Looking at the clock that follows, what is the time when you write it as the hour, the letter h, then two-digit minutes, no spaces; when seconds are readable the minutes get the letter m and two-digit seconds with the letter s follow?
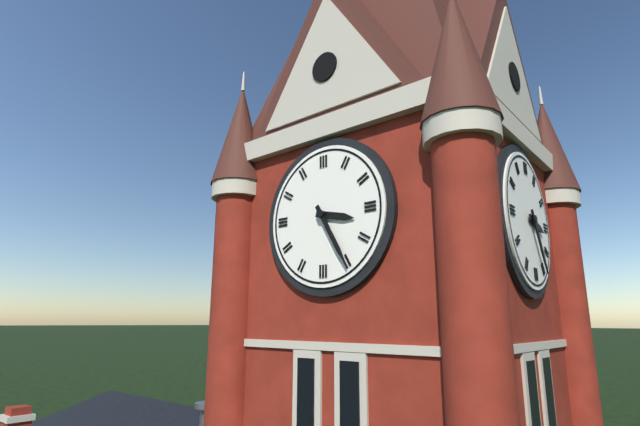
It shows 3h25
